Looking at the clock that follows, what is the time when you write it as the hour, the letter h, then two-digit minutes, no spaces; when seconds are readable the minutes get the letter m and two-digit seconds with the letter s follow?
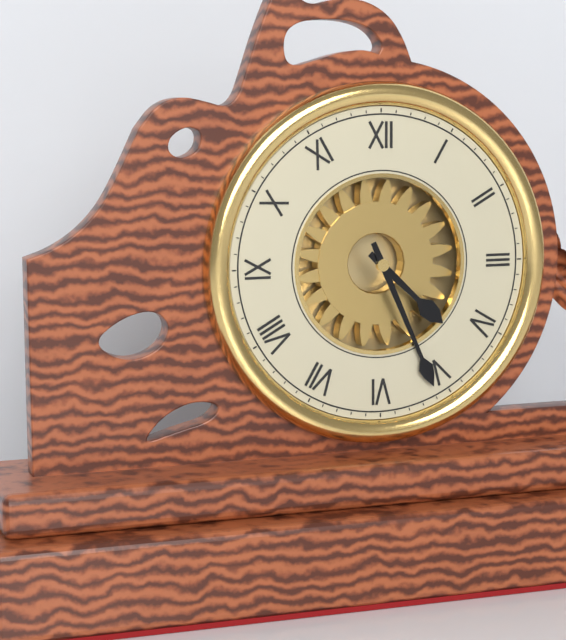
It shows 4h26
